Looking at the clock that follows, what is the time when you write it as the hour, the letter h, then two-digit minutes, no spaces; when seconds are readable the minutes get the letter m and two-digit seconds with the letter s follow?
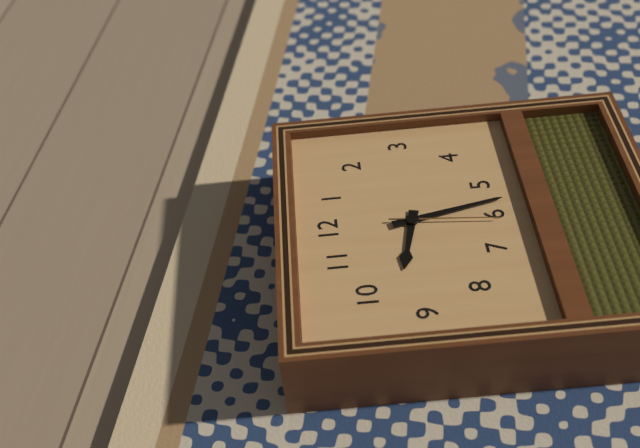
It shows 9h28m31s
